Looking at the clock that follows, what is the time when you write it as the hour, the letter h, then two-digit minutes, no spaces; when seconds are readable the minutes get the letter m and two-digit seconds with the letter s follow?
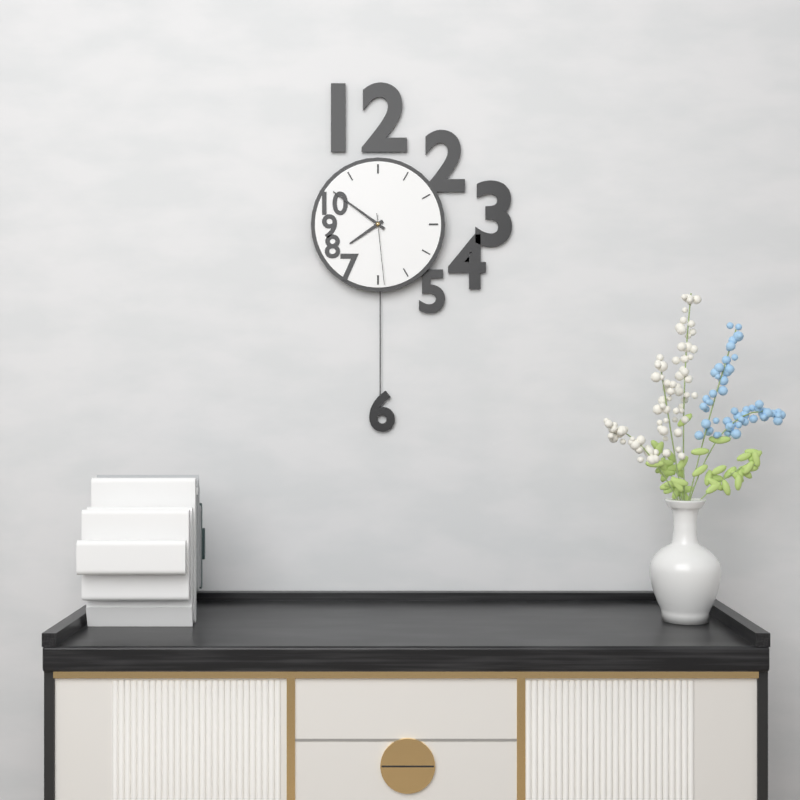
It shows 7h51m29s
